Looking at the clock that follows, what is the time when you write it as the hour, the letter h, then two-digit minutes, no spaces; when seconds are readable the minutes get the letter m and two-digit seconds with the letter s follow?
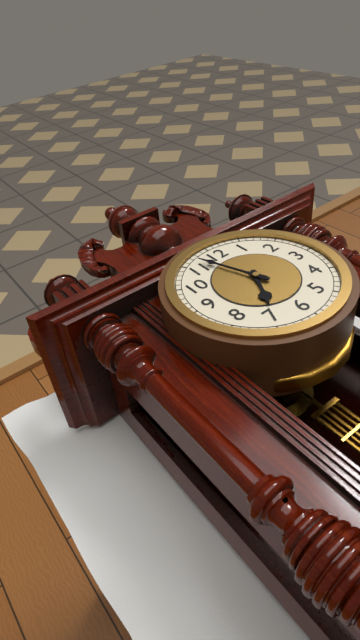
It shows 6h57
